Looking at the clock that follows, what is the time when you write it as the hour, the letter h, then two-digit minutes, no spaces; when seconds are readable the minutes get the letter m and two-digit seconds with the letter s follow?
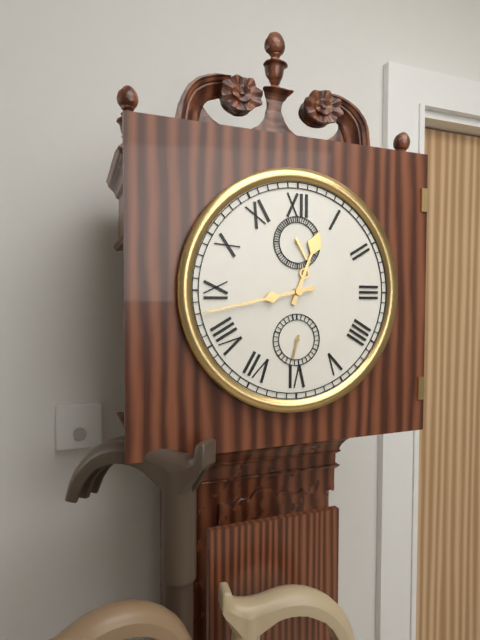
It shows 12h43
